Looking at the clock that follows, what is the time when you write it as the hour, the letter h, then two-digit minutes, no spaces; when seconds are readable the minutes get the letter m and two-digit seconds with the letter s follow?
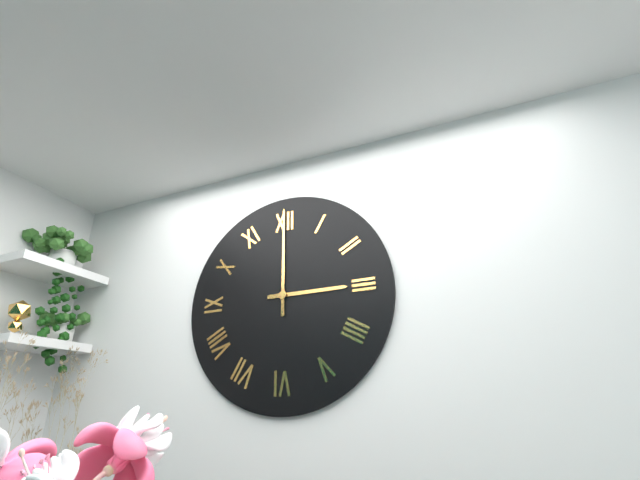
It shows 3h00
